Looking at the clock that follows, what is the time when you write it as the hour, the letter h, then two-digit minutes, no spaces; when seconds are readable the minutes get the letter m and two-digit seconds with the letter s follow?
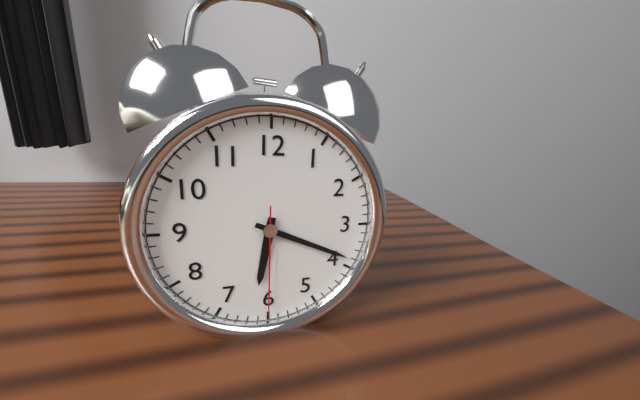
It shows 6h19m30s
